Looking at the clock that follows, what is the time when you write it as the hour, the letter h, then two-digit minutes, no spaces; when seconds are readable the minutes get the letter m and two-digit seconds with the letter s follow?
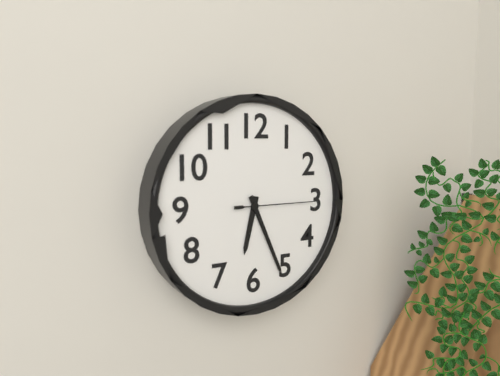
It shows 6h26m15s
